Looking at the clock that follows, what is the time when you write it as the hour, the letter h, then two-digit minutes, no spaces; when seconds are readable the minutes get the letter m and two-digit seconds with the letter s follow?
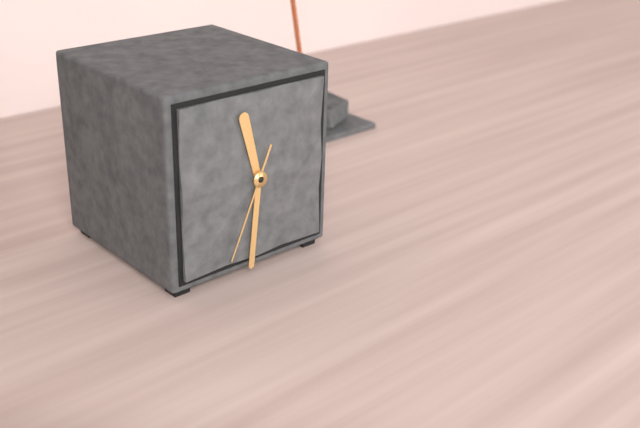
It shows 11h31m34s
